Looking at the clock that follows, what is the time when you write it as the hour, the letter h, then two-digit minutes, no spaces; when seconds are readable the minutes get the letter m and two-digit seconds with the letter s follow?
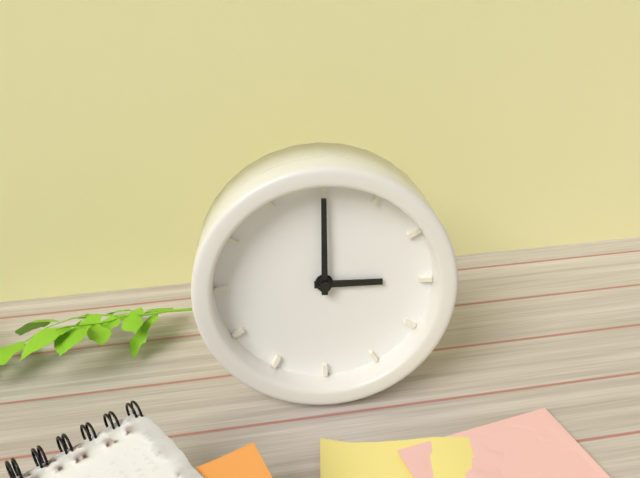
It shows 3h00
